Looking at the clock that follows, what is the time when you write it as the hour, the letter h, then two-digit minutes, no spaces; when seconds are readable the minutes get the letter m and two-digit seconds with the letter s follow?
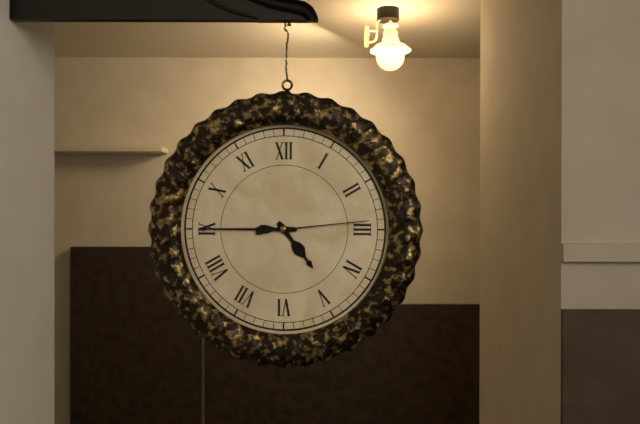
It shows 4h45m14s
